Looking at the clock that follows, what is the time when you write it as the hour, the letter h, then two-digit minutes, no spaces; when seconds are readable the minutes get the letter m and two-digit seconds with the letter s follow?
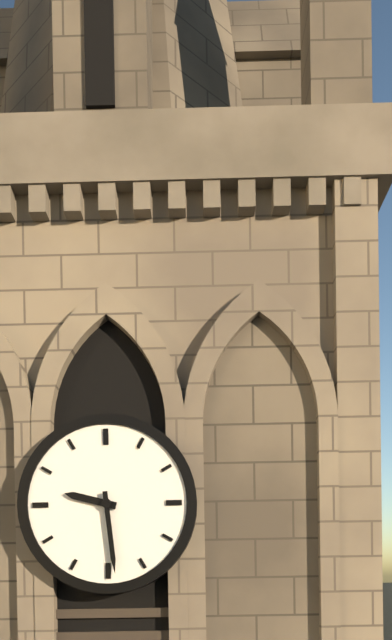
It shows 9h29
